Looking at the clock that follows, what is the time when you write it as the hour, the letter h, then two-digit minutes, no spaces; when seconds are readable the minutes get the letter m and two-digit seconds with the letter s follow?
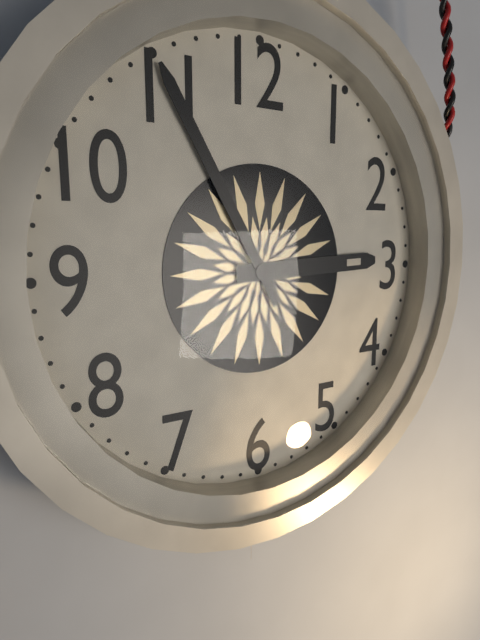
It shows 2h55
